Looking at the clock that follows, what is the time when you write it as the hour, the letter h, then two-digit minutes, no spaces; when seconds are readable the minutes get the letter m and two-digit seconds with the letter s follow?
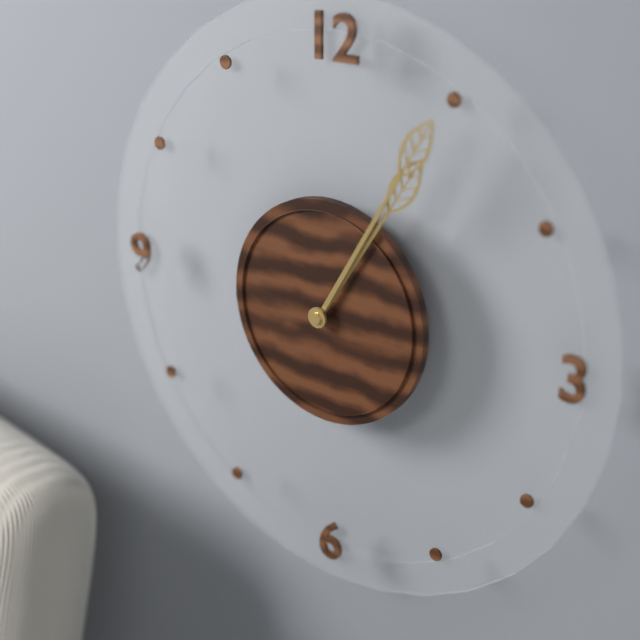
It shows 1h05
